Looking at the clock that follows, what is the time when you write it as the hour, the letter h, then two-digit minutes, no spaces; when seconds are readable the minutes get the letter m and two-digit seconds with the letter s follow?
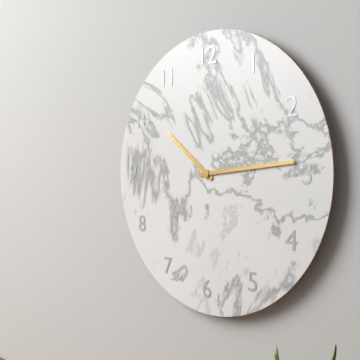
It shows 10h14
